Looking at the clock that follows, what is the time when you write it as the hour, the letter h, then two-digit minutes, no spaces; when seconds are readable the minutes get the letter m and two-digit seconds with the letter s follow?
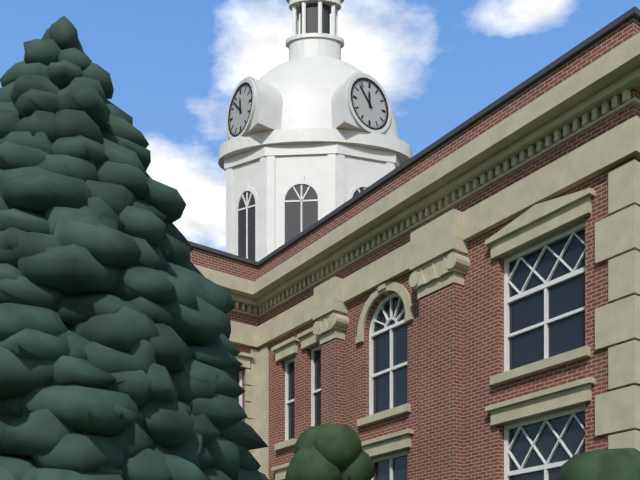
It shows 11h53
